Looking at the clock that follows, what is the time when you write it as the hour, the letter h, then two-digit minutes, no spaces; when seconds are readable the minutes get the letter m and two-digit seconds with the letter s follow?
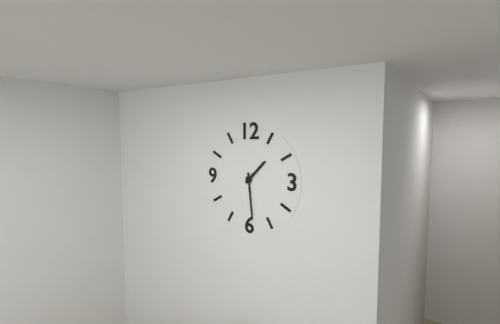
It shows 1h29
